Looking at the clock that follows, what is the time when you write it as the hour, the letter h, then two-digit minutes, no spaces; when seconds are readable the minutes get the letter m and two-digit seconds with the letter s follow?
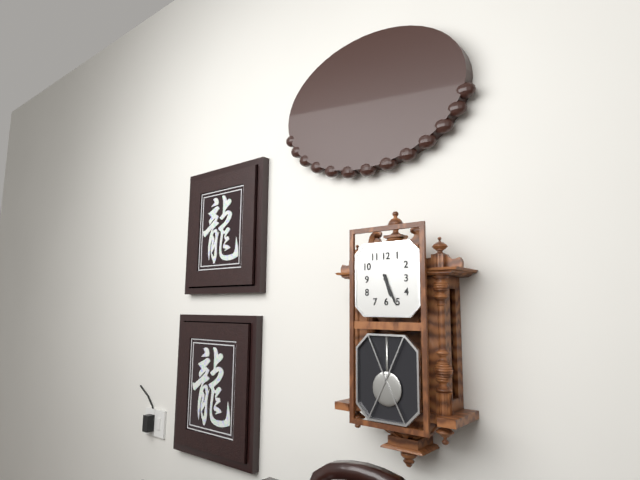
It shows 5h26
